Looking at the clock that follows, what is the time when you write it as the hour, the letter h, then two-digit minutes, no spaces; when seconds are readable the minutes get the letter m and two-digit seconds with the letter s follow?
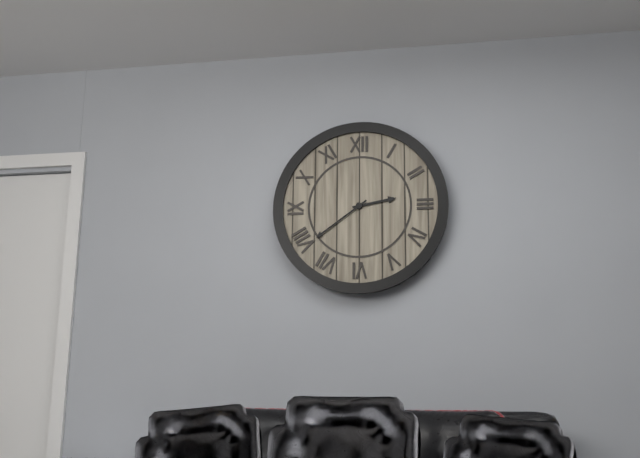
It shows 2h39
